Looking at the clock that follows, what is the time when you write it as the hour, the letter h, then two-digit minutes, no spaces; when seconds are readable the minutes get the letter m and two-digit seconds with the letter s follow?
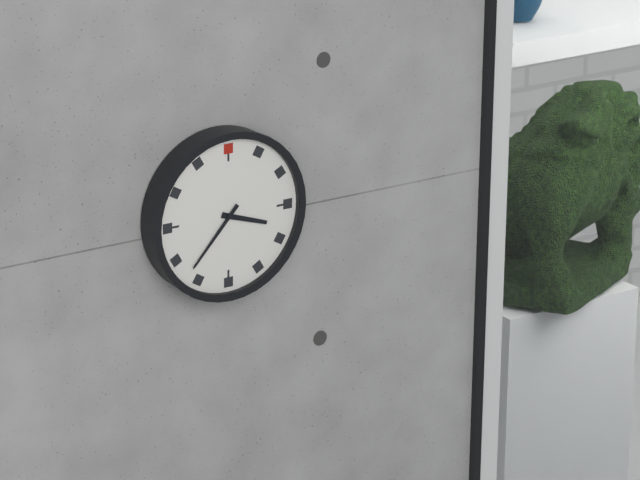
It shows 3h37
